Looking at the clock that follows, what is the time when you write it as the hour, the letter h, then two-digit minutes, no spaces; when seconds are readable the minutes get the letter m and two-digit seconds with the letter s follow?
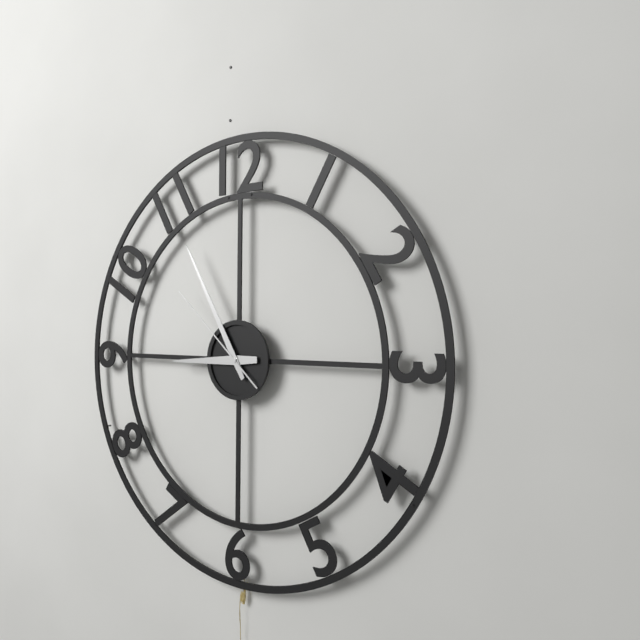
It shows 8h55m52s
